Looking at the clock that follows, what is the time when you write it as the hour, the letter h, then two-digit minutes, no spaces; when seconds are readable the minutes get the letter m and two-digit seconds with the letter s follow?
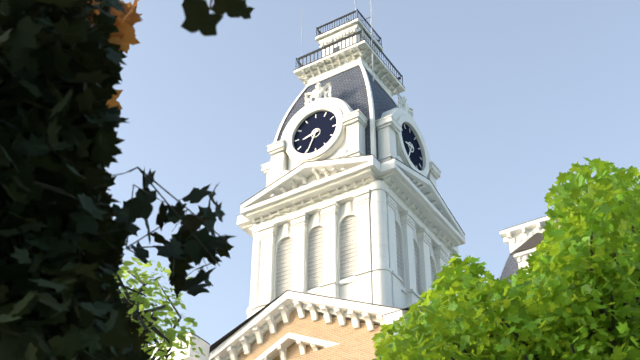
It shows 8h34
